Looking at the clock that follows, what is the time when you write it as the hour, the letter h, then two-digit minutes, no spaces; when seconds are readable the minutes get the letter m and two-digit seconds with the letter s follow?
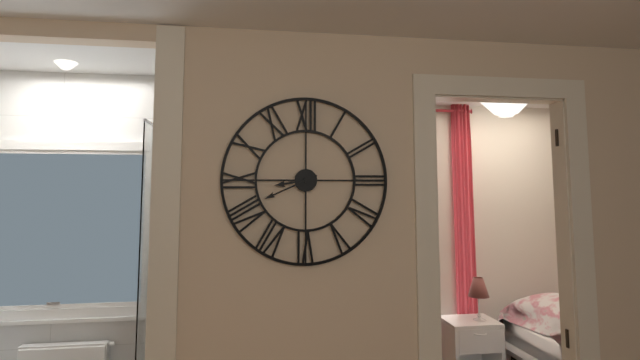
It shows 8h41
